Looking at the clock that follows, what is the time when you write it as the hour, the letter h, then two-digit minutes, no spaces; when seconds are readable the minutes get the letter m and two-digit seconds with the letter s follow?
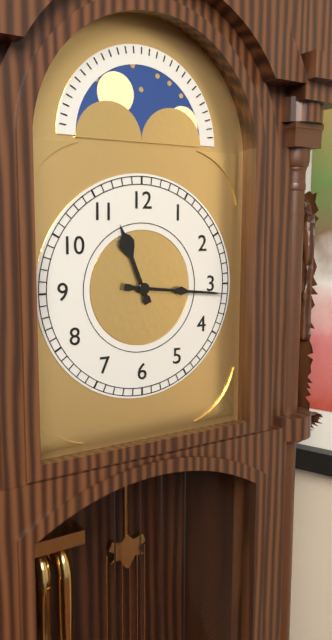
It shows 11h16
